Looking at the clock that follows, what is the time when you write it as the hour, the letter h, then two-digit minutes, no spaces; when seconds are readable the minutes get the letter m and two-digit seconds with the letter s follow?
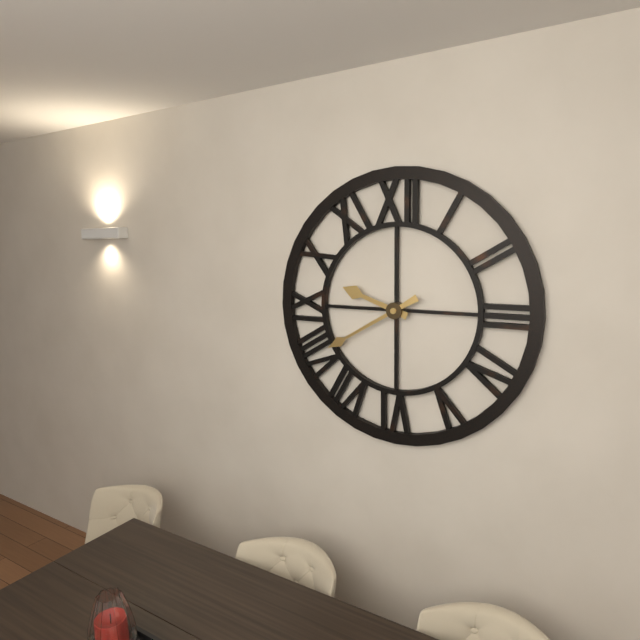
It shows 9h40
